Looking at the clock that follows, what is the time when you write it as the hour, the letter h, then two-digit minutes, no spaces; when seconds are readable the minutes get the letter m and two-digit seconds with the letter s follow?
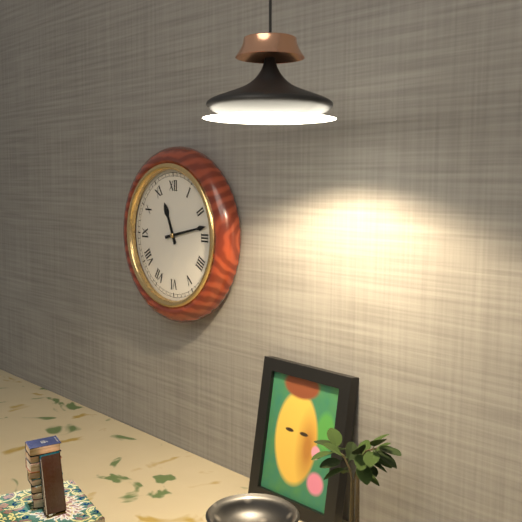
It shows 11h13
